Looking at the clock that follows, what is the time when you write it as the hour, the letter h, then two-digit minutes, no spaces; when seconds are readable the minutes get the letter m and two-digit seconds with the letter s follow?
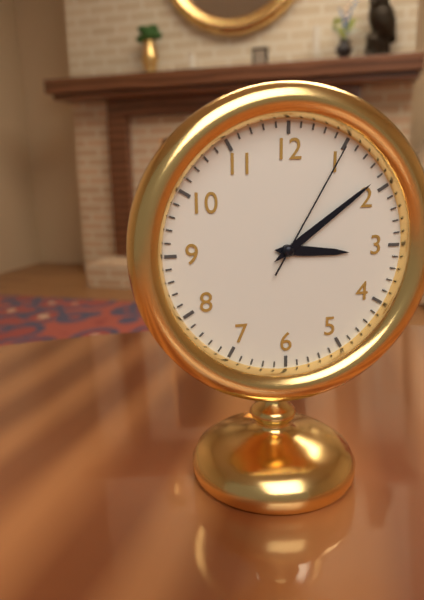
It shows 3h09m05s
